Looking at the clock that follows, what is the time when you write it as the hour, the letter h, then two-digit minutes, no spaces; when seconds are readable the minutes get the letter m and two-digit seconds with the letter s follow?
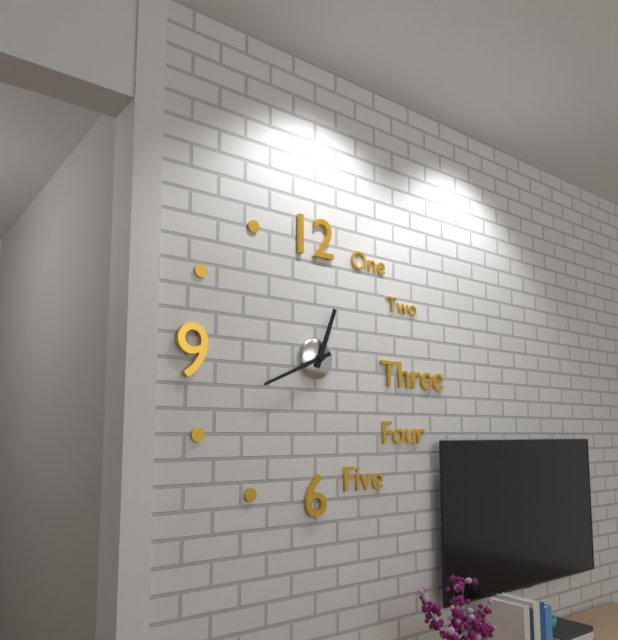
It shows 12h41
